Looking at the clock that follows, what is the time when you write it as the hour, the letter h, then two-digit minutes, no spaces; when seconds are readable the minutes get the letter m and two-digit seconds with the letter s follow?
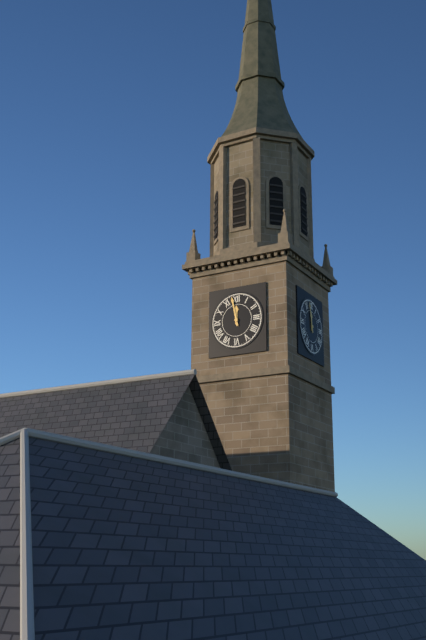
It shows 11h58
